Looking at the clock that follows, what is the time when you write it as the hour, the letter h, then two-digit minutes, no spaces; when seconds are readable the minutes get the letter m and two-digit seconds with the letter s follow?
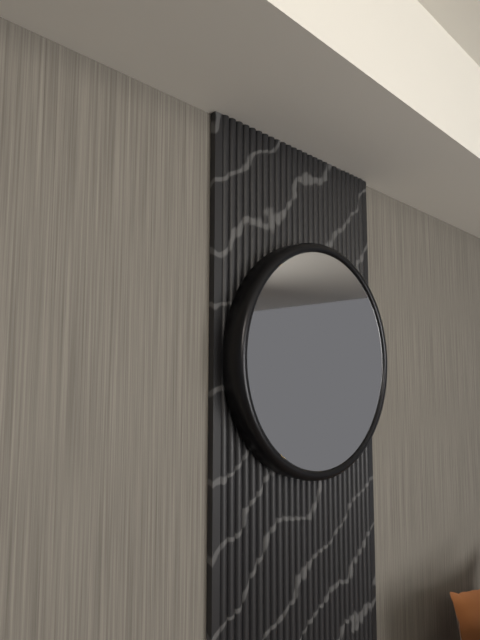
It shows 1h20
